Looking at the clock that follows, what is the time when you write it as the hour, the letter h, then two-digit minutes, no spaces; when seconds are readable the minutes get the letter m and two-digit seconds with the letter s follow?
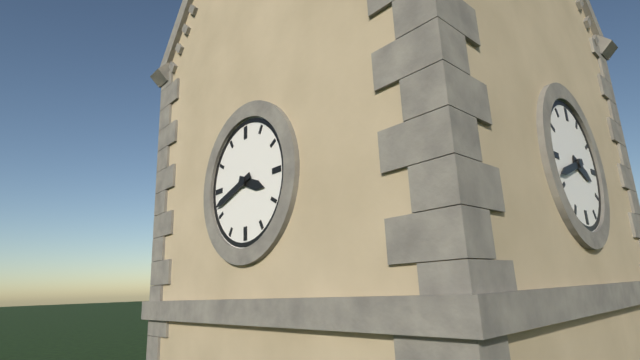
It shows 3h42
